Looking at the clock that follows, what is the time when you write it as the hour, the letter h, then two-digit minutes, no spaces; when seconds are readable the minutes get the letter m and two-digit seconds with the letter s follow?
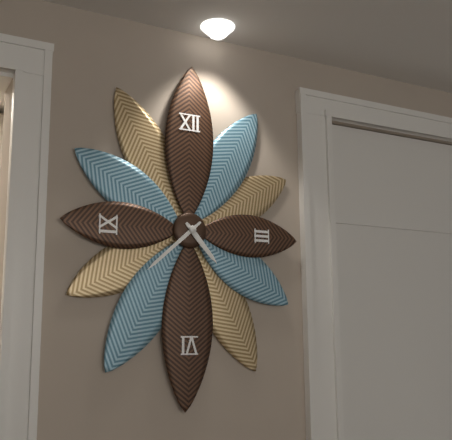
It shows 4h38
